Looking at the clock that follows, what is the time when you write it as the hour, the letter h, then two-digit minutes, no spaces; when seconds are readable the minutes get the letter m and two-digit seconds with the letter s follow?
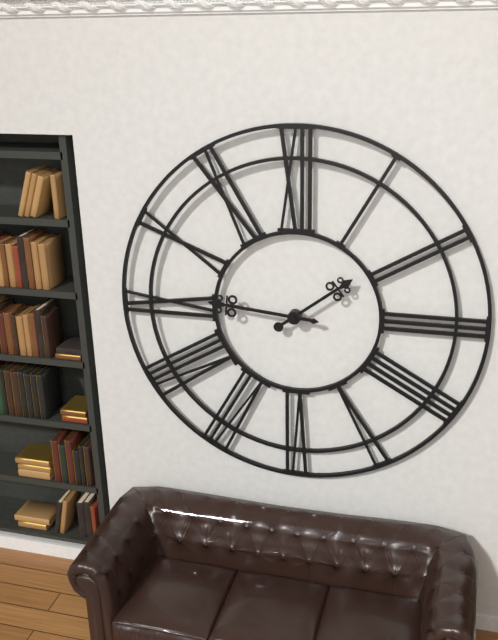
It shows 1h46
